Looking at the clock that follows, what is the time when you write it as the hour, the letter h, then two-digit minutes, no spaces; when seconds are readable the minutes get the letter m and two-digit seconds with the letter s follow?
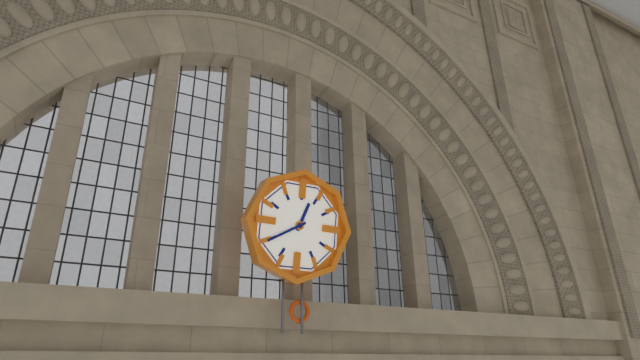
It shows 12h40
